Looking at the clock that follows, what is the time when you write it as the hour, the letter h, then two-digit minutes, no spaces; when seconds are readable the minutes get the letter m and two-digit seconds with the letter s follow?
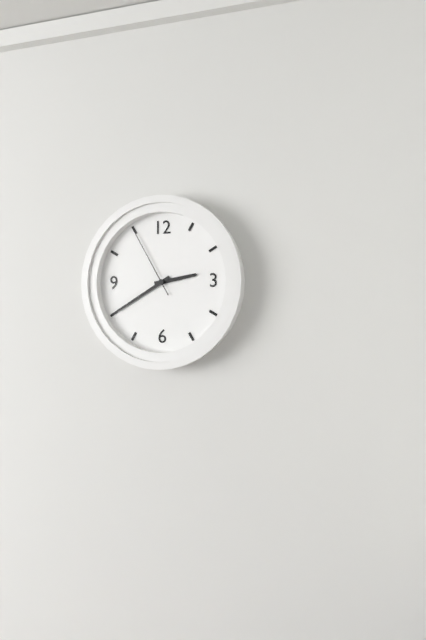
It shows 2h40m55s
